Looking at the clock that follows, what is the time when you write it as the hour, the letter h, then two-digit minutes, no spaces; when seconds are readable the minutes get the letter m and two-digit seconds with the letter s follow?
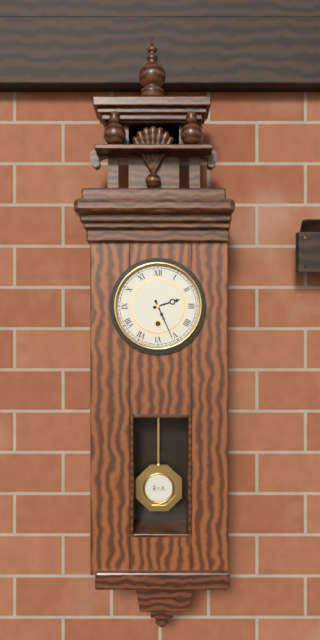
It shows 2h26
